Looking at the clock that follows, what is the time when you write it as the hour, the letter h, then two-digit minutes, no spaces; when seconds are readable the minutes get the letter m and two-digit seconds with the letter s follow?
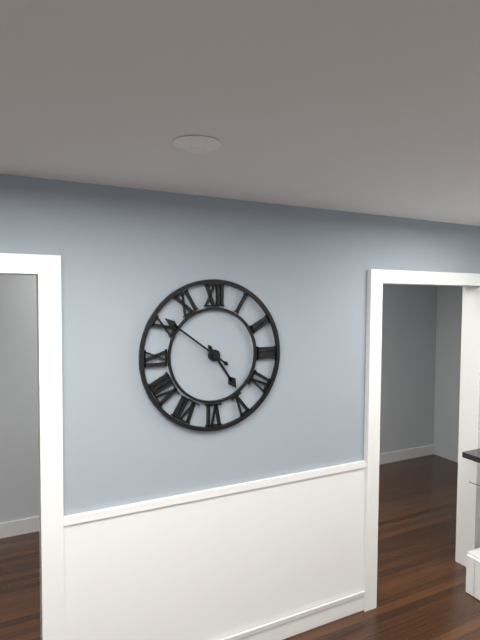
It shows 4h51
